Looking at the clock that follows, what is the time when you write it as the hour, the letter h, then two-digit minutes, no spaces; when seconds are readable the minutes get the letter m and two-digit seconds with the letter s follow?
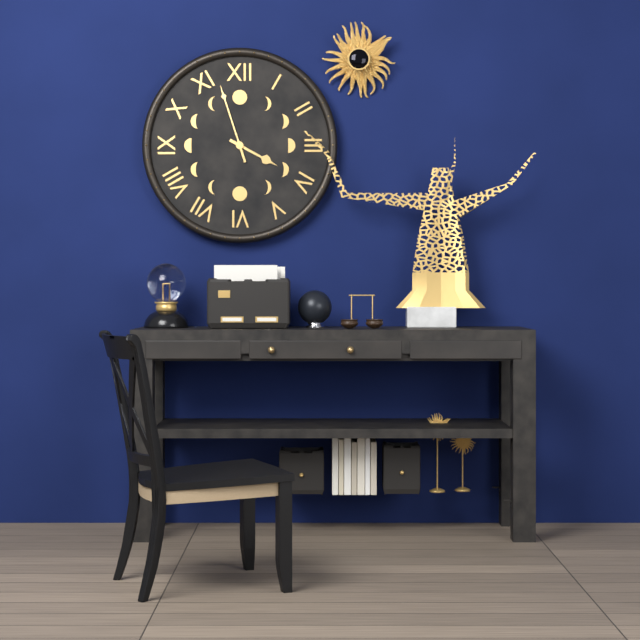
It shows 3h57
